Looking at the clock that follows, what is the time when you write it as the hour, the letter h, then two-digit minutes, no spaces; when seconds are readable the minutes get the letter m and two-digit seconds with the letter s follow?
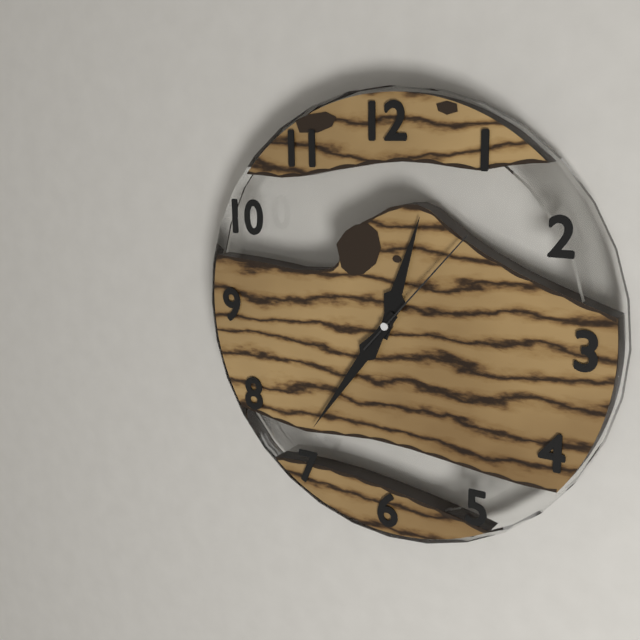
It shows 12h36m07s
